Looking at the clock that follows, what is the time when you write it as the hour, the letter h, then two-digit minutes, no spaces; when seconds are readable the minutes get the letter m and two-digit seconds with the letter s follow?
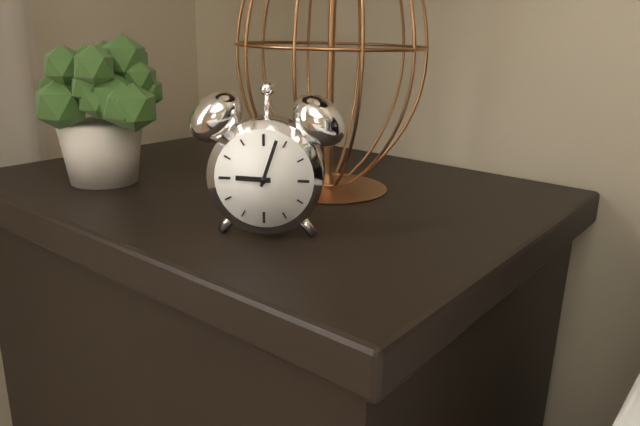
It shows 9h03
